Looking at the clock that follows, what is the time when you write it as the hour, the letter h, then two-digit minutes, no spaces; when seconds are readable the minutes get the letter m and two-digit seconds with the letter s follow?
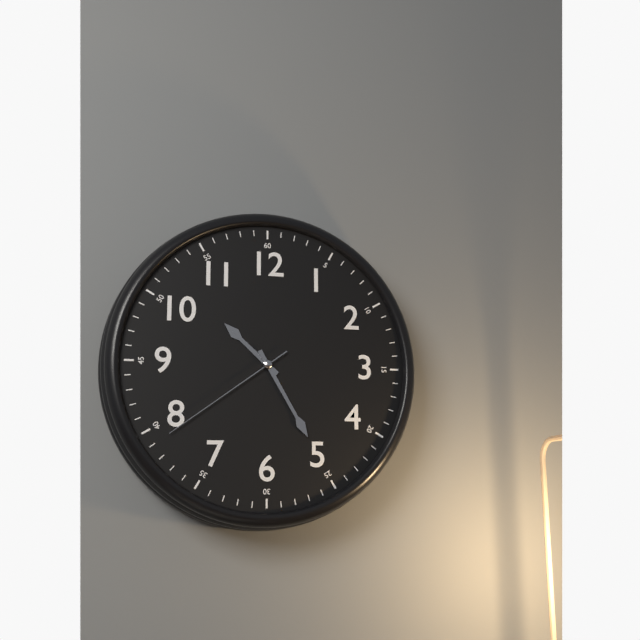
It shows 10h25m39s
